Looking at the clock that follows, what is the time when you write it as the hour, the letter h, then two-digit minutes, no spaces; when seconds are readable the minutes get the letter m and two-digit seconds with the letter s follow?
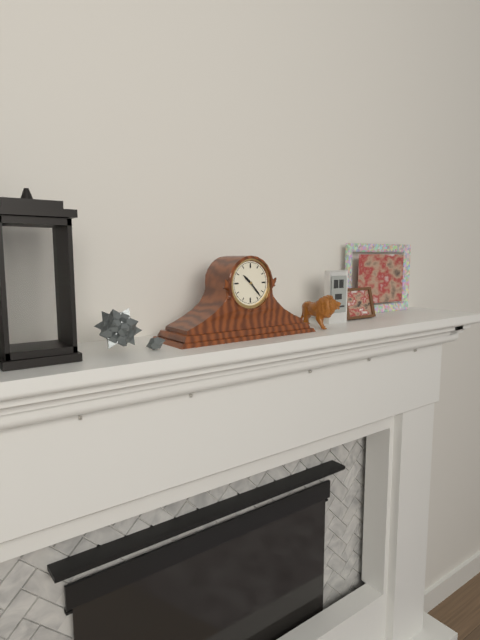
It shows 10h23
